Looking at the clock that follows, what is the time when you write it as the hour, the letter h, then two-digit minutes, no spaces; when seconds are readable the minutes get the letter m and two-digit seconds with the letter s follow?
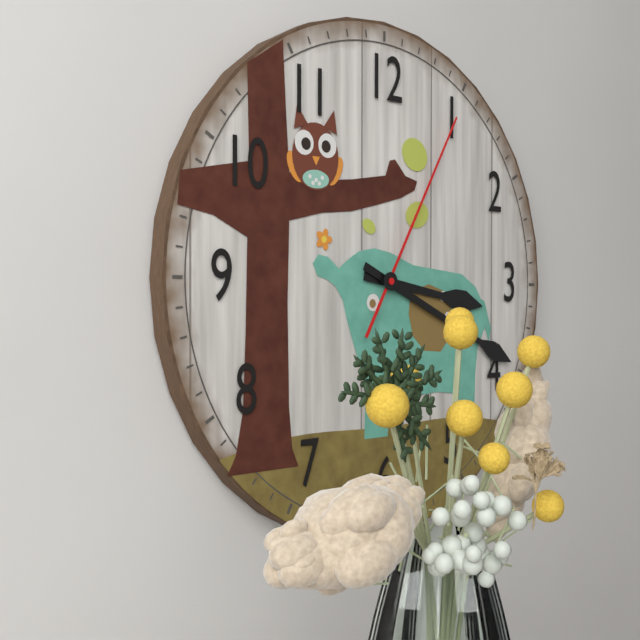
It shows 3h19m05s
